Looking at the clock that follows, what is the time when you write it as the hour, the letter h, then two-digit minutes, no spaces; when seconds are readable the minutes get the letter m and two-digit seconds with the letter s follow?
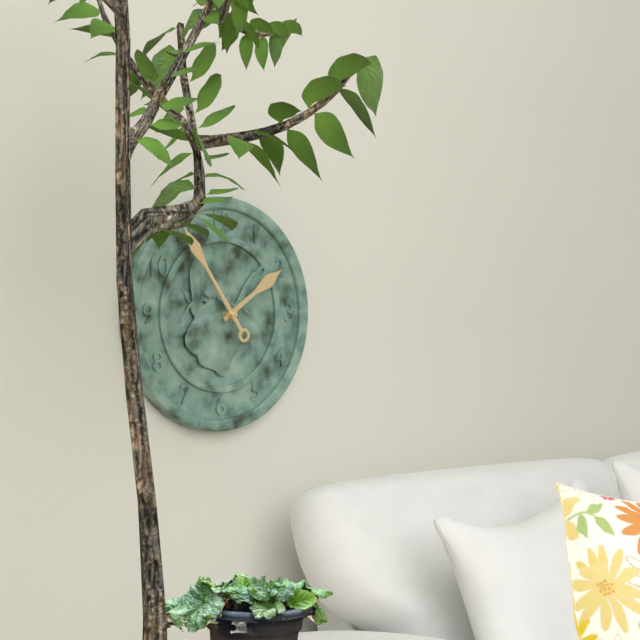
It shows 1h54
